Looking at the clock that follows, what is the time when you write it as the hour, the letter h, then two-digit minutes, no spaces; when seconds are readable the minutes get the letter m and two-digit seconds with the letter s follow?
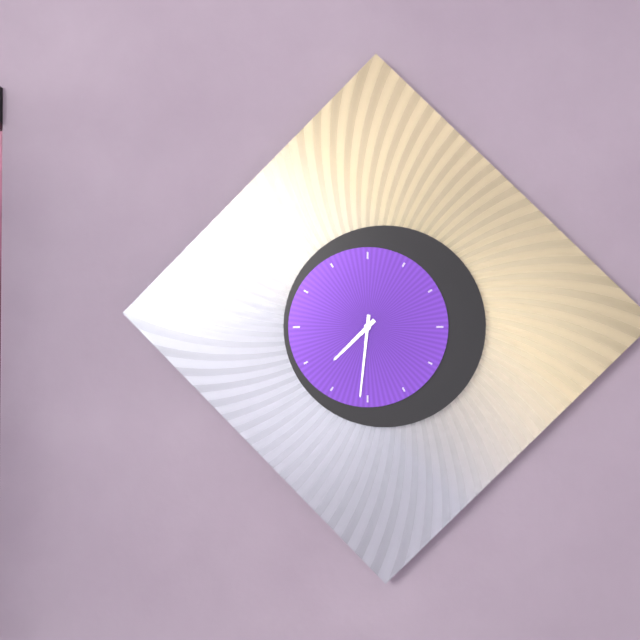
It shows 7h31
